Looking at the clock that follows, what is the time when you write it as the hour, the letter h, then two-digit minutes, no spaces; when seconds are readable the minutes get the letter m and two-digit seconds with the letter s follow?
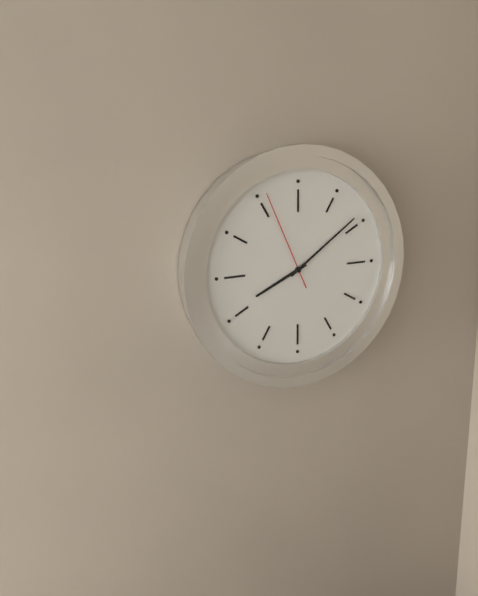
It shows 8h09m56s
